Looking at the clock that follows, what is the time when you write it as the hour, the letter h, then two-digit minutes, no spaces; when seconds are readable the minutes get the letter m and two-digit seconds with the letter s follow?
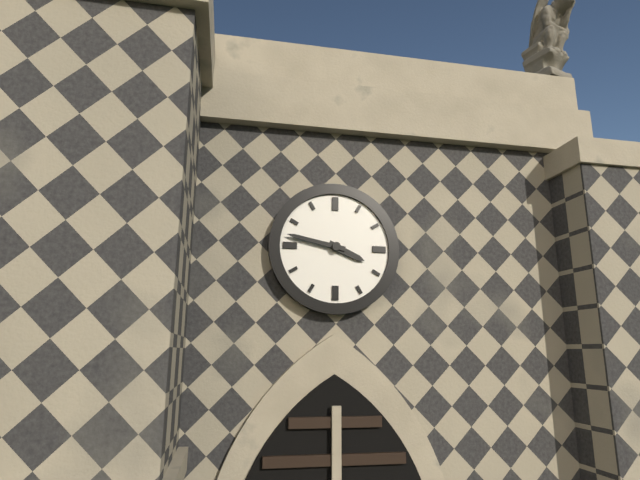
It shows 3h47
